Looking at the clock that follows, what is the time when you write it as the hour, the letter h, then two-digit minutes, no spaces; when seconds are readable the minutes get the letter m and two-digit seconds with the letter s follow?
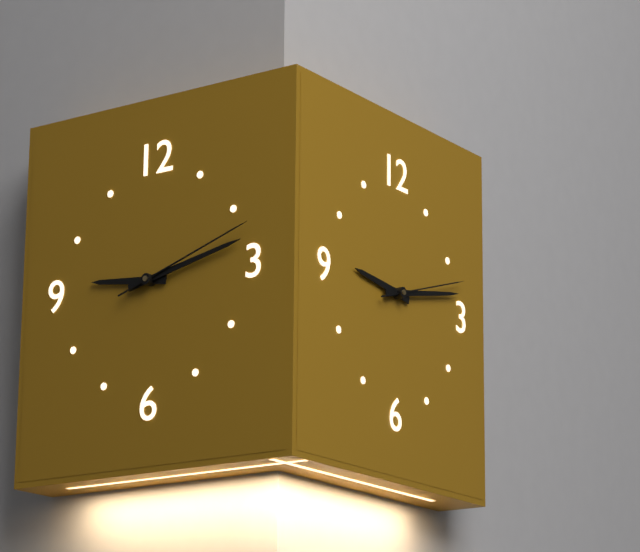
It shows 9h13m12s
